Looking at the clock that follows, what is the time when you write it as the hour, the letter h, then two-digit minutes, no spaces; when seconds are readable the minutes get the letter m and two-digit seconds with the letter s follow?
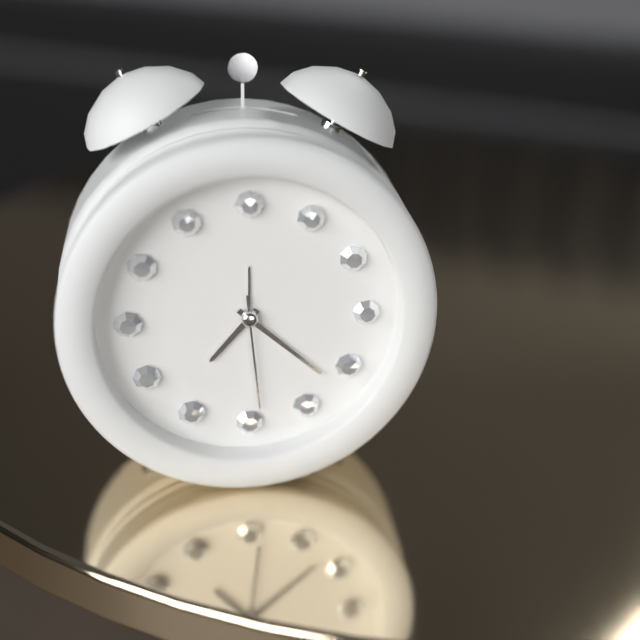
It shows 7h22m29s
